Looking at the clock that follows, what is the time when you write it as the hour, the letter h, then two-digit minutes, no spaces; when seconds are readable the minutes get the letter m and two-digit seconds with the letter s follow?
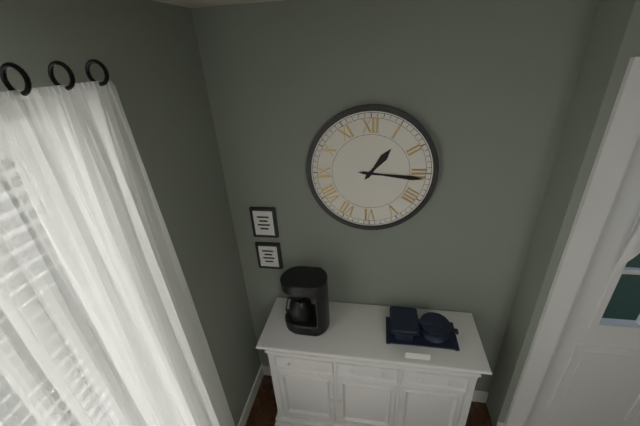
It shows 1h16
